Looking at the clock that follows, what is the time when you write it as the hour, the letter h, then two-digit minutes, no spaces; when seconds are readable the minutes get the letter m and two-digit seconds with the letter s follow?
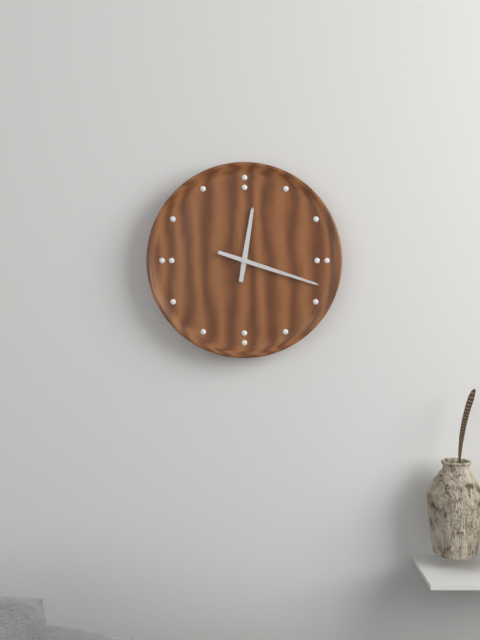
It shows 12h18
